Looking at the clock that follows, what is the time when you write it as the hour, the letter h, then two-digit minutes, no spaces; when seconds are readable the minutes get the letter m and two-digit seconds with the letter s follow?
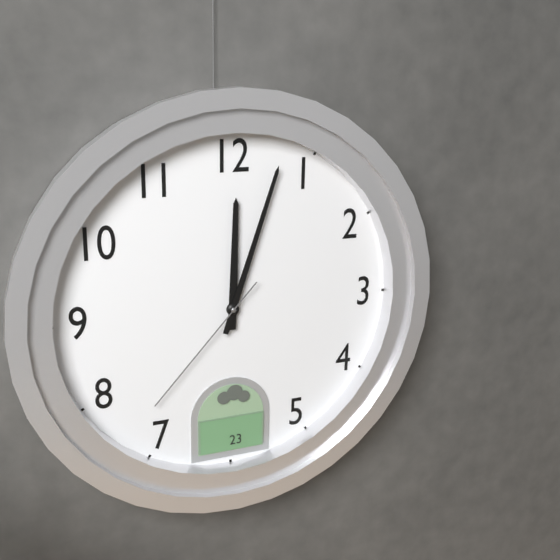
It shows 12h03m37s
